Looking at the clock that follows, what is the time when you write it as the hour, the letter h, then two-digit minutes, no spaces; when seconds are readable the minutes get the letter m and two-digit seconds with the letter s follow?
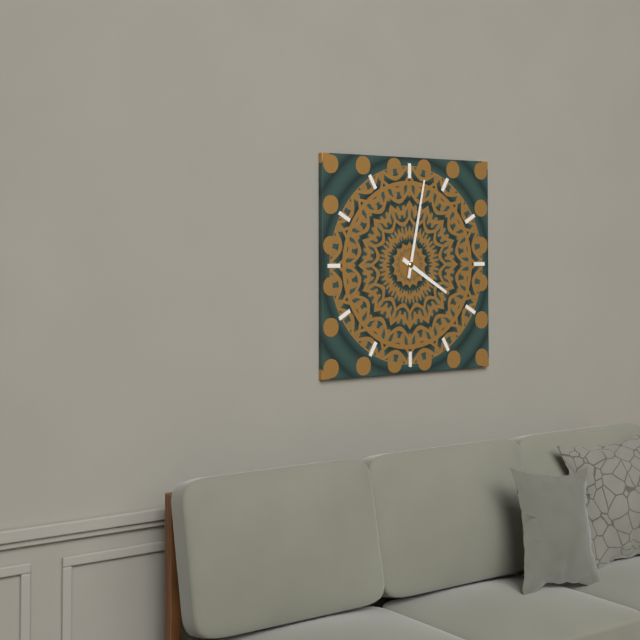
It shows 4h02
